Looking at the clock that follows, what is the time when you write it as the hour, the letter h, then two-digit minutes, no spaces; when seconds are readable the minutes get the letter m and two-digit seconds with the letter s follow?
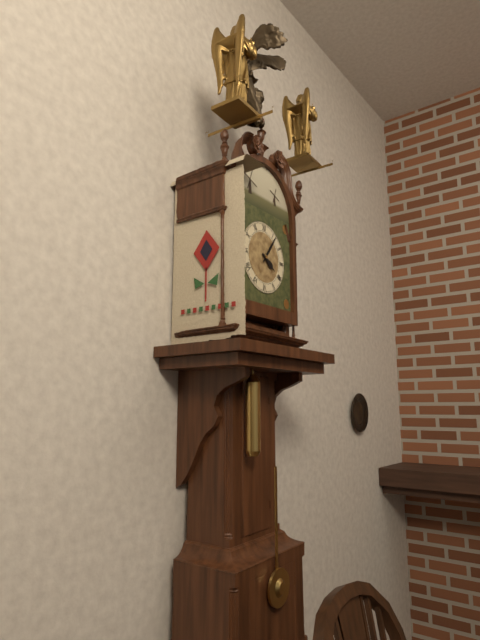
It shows 4h06
